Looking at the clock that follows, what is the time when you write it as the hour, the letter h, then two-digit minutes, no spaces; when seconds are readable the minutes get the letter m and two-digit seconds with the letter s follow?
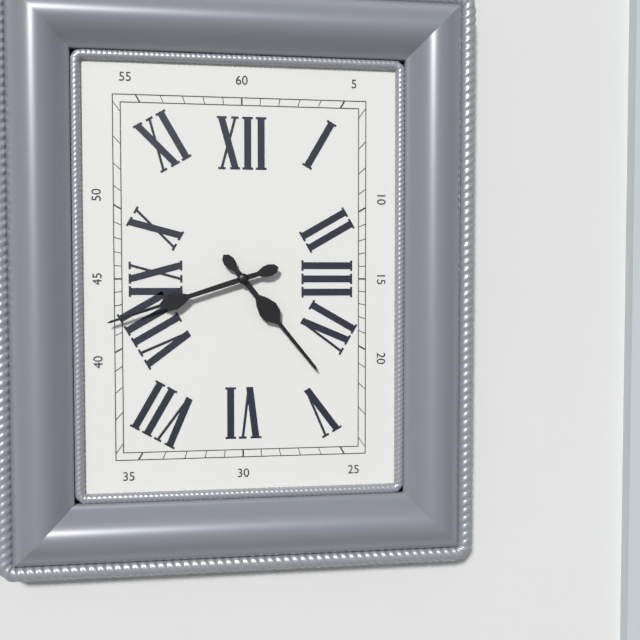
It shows 4h42
